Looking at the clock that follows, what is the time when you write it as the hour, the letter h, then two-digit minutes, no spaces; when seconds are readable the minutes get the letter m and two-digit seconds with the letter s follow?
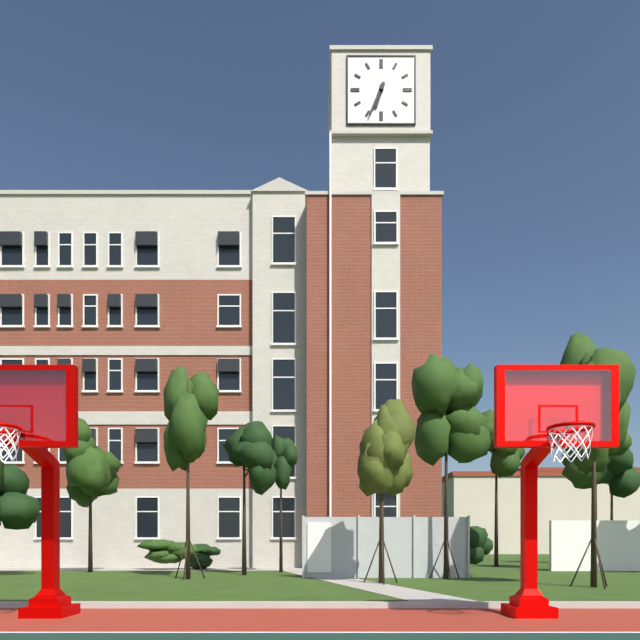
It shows 6h34
